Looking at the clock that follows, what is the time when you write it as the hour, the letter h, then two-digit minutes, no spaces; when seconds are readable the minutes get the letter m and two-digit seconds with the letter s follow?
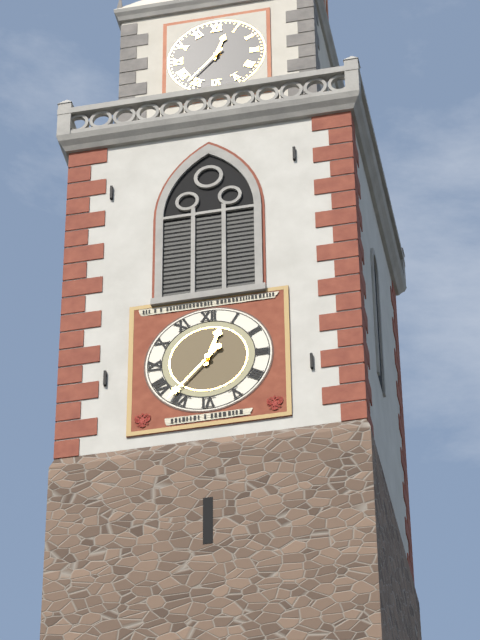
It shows 12h37
